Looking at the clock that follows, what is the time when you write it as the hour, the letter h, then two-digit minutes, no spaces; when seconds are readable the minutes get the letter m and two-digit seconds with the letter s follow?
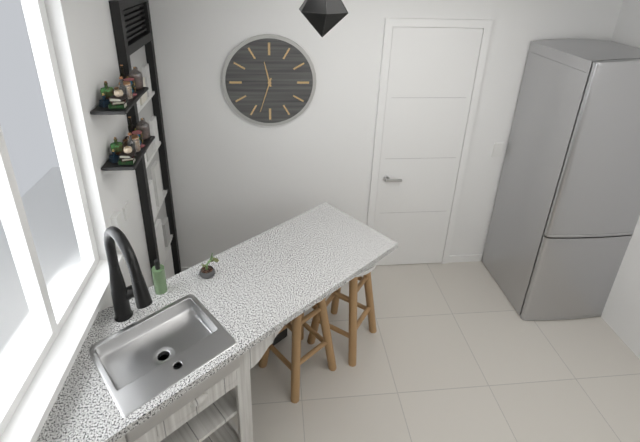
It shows 11h33
